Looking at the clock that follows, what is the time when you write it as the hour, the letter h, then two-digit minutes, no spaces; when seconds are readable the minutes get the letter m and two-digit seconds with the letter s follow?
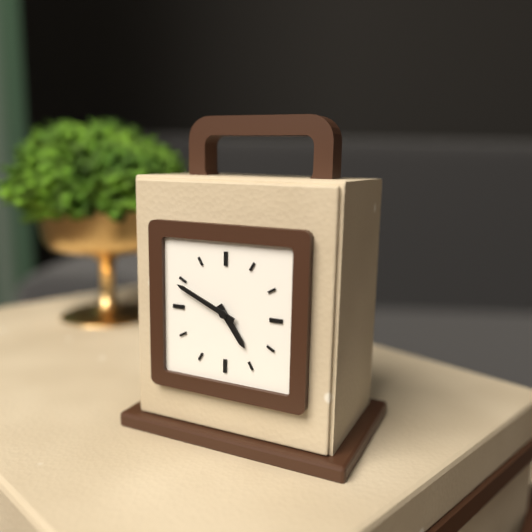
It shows 4h49
